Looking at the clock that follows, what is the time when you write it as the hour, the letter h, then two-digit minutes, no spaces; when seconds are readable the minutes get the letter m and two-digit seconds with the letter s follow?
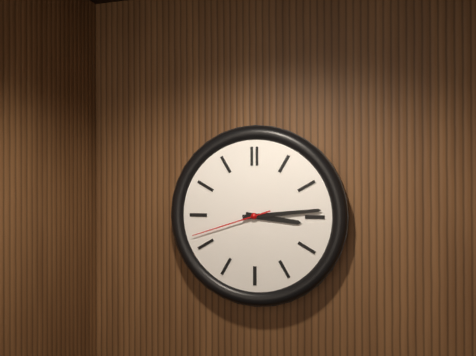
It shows 3h14m42s
